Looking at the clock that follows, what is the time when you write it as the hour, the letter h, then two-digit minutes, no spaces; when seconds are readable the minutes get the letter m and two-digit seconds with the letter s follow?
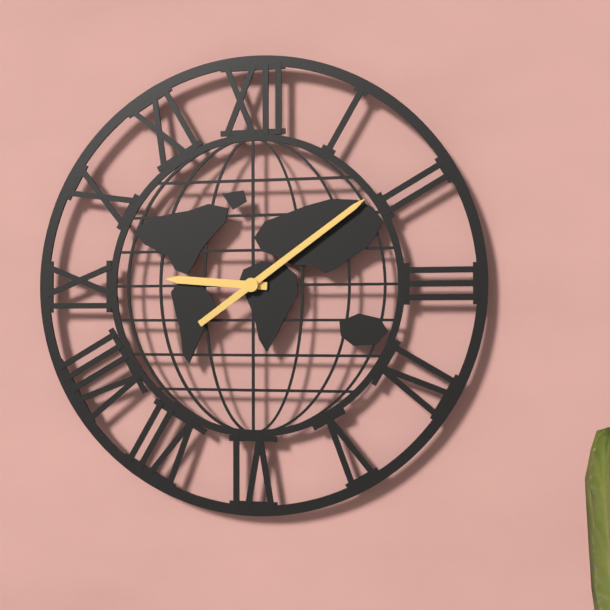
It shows 9h09
